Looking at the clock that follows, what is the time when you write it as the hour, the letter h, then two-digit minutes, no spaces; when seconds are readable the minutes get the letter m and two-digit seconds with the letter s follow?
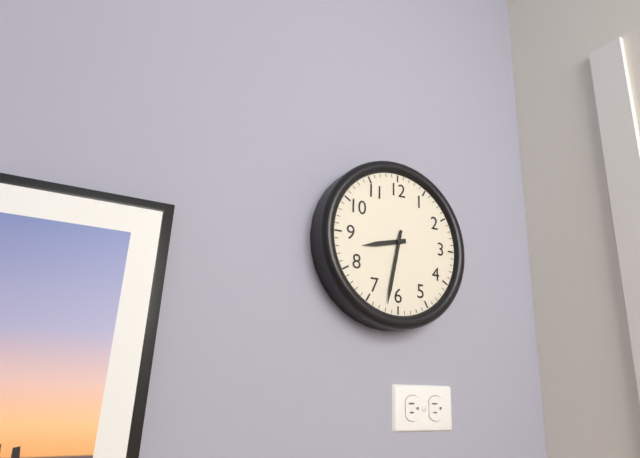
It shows 8h32
